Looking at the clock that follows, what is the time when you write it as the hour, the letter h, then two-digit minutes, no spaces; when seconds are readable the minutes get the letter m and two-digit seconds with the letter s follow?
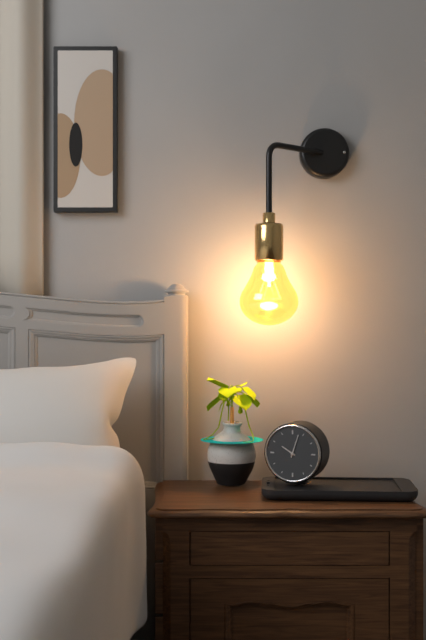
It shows 10h03
